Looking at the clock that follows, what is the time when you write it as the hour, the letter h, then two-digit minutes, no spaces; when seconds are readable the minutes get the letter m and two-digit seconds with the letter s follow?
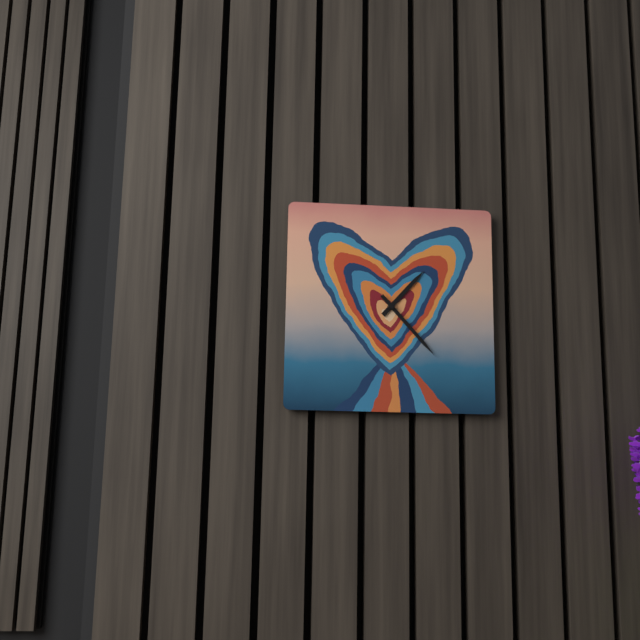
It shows 1h23
